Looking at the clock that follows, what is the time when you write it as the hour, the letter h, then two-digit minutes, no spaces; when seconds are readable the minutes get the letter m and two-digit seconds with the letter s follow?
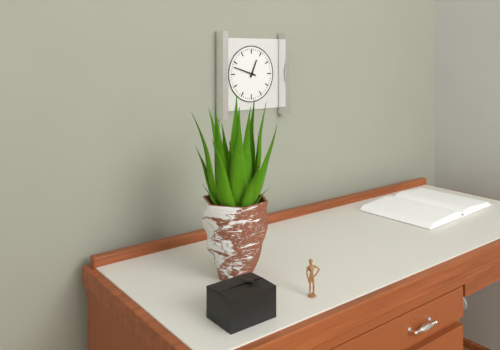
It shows 12h48
